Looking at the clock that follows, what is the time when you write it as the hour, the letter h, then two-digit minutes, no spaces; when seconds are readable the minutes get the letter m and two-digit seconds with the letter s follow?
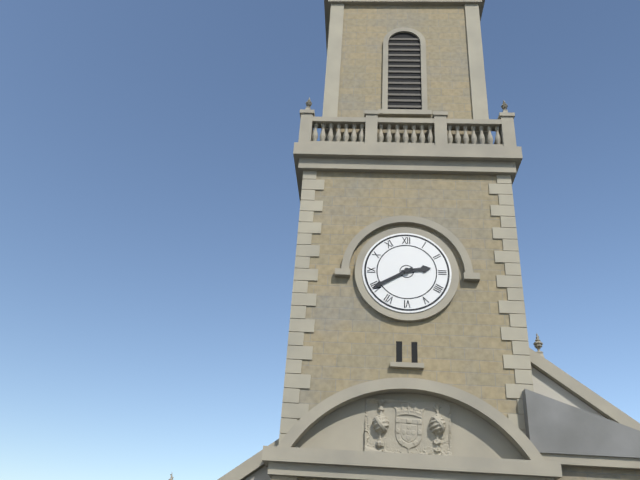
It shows 2h40
